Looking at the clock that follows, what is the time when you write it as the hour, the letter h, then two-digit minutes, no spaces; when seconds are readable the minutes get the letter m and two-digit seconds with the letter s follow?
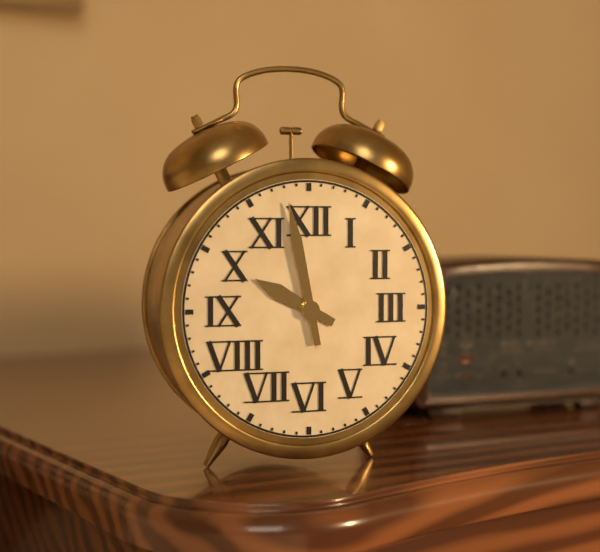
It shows 9h58
